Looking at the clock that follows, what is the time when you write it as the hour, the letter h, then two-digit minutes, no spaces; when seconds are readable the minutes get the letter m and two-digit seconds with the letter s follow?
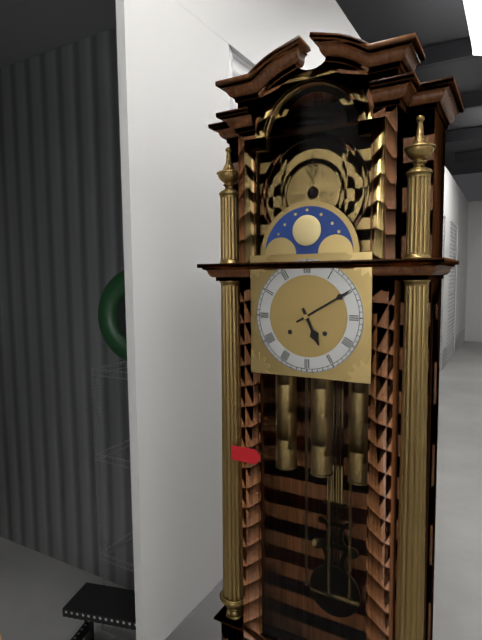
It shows 5h10
